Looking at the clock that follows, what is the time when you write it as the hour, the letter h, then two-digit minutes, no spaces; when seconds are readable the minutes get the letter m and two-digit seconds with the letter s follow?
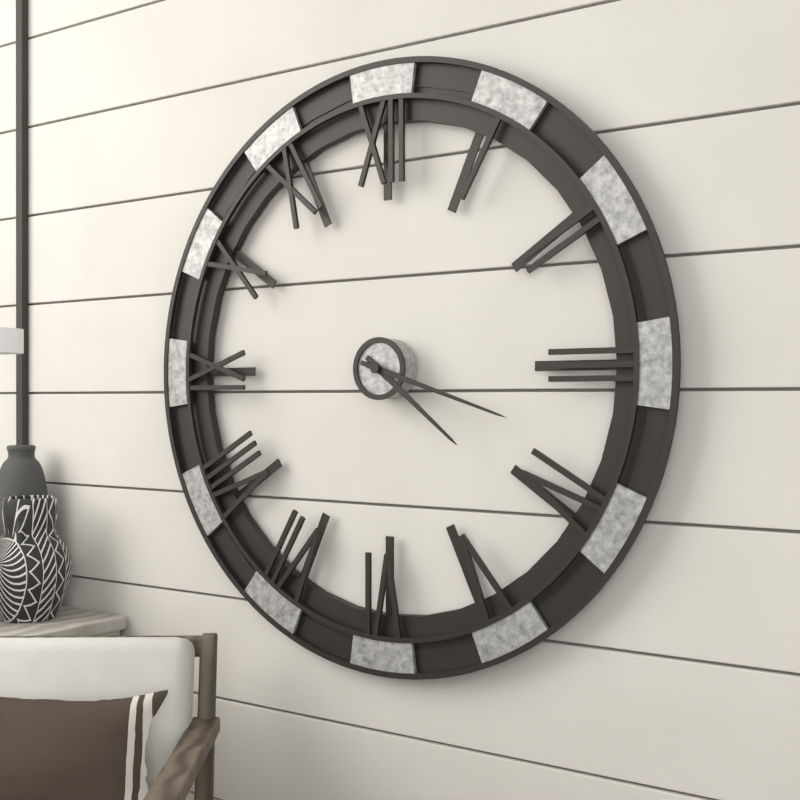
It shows 4h18
